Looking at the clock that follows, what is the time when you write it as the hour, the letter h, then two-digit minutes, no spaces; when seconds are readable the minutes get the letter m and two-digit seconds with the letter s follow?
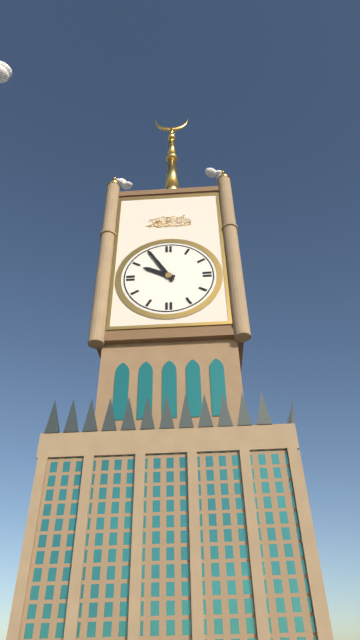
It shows 9h55
